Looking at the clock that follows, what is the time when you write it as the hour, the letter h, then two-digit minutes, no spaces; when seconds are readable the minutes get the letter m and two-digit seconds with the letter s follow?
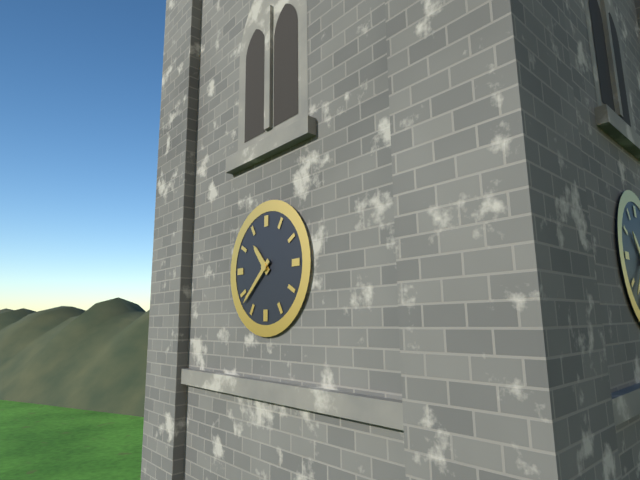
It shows 10h38
